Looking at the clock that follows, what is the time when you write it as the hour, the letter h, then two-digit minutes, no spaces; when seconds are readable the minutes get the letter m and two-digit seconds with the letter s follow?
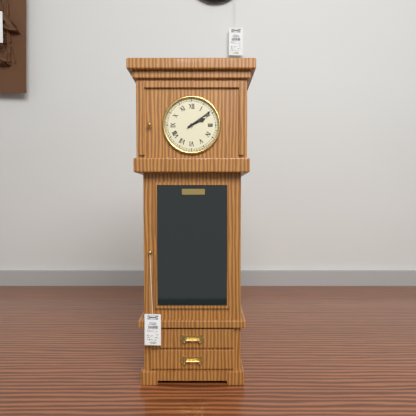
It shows 2h09
